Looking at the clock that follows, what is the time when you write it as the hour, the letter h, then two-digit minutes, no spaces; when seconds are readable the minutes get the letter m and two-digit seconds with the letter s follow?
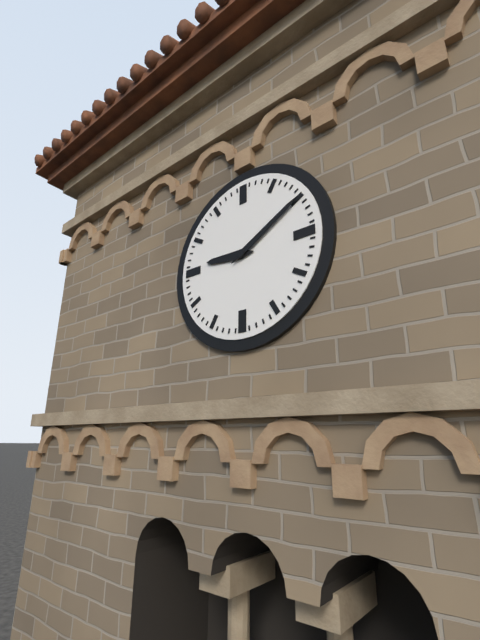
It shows 9h10
